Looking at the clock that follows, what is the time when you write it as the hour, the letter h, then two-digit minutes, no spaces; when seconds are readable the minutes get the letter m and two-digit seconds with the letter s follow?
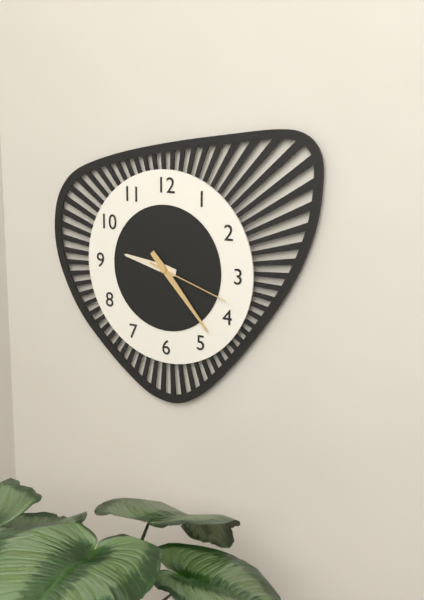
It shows 9h23m18s
